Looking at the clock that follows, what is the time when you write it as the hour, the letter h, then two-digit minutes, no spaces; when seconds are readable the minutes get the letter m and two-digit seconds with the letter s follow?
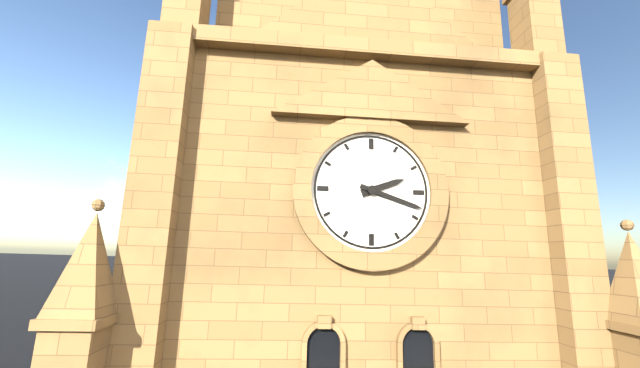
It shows 2h18
